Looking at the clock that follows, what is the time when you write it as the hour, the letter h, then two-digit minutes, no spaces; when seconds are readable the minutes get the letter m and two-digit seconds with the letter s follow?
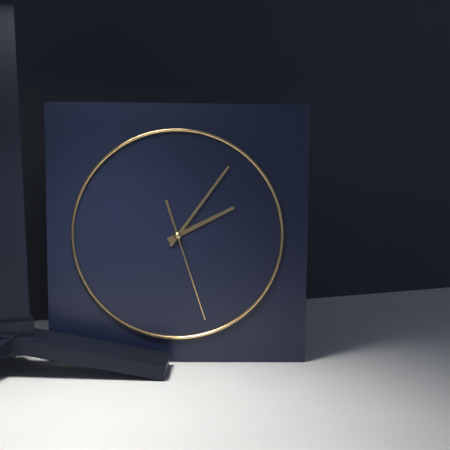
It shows 2h06m27s
